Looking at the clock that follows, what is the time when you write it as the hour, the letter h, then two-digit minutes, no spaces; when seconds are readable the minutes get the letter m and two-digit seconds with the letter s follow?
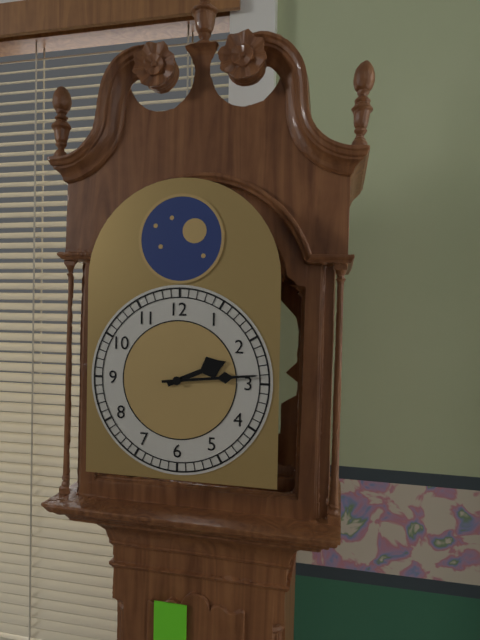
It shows 2h14
